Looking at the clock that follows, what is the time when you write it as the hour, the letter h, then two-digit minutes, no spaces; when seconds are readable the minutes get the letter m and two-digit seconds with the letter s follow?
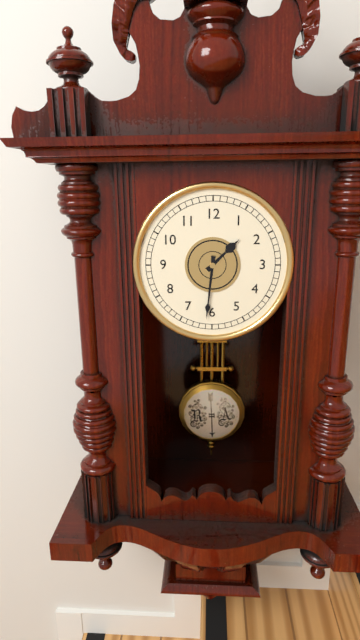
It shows 1h31
